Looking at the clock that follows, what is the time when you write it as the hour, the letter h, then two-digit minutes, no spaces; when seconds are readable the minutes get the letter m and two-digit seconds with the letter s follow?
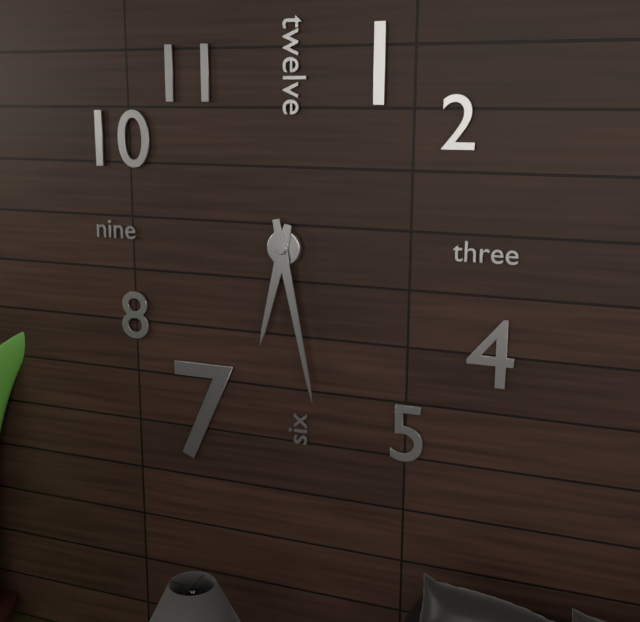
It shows 6h28
